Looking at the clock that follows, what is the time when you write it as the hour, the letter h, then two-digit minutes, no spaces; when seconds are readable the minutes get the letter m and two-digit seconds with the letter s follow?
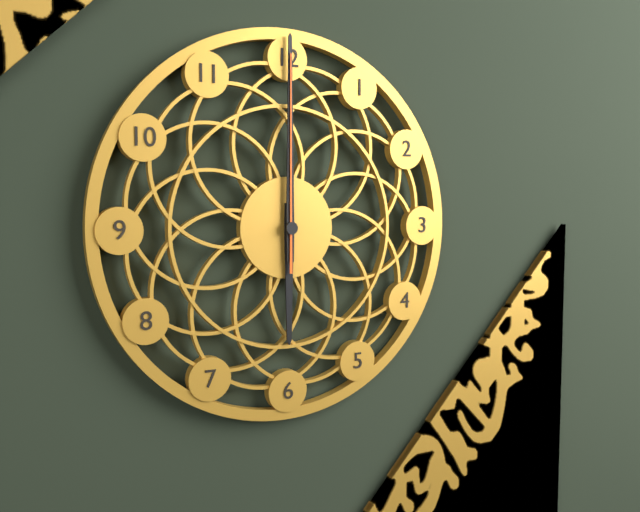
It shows 6h00m00s
